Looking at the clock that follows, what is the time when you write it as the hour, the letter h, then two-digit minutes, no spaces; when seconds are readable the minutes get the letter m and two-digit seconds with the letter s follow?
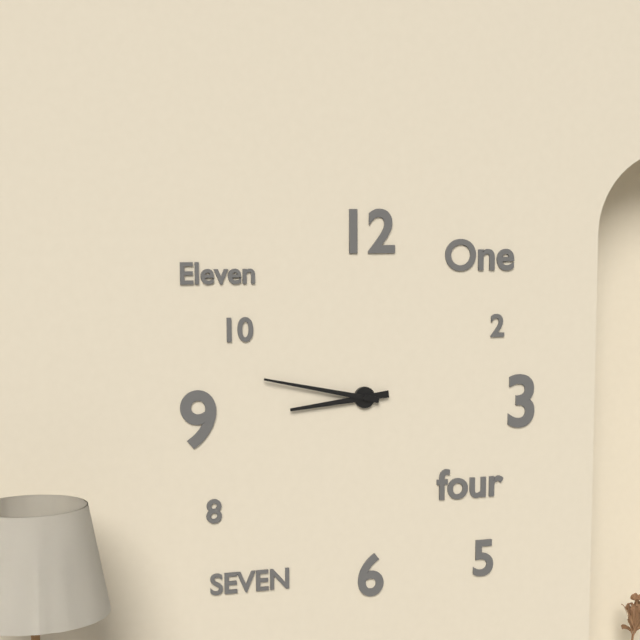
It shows 8h47
